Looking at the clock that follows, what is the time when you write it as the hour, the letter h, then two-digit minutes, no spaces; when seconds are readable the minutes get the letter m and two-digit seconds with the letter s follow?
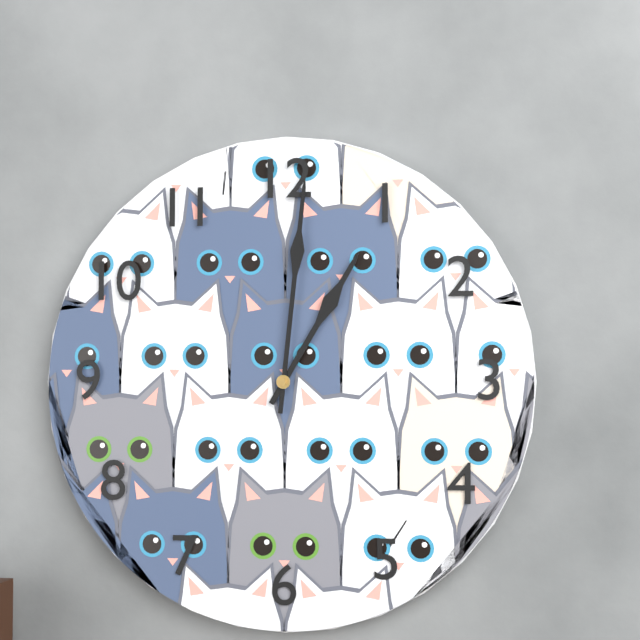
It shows 1h01
